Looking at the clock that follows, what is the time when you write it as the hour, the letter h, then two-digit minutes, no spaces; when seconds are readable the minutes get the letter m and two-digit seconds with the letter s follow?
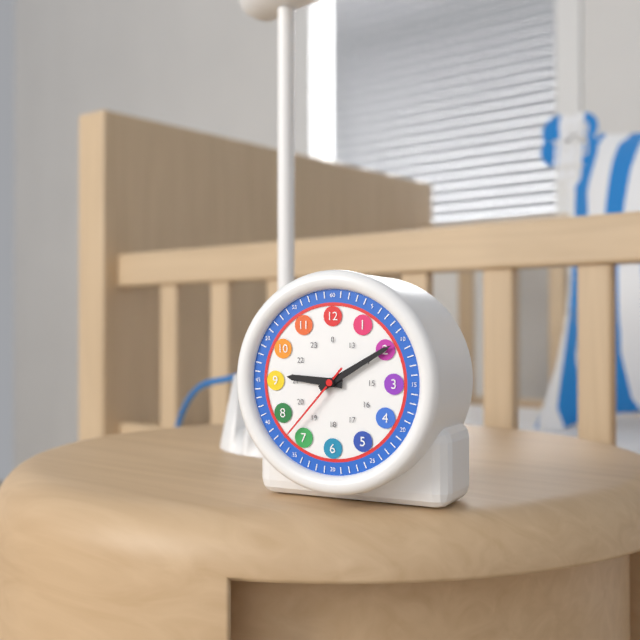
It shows 9h10m37s
